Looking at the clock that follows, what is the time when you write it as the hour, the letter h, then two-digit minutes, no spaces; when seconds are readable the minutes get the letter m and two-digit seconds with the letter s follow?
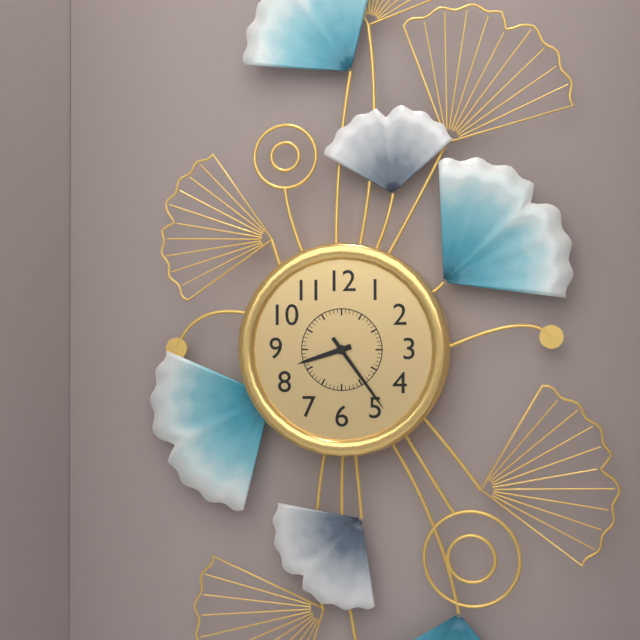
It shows 8h24
